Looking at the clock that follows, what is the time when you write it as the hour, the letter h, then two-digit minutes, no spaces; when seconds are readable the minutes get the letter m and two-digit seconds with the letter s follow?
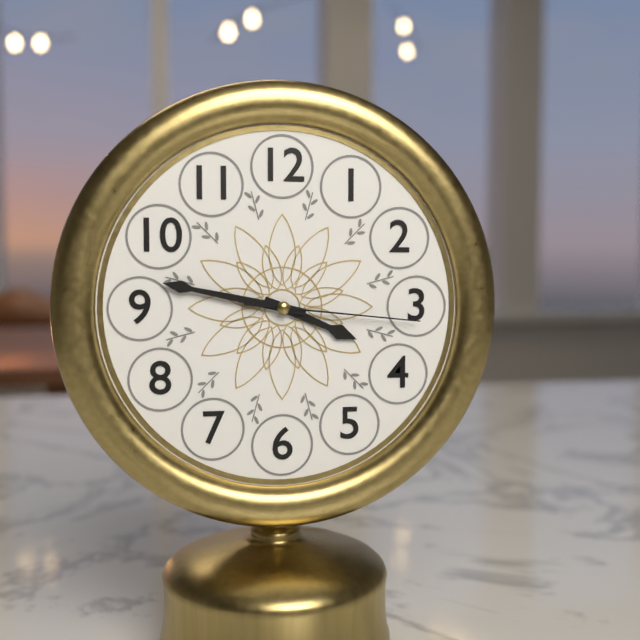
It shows 3h47m16s
